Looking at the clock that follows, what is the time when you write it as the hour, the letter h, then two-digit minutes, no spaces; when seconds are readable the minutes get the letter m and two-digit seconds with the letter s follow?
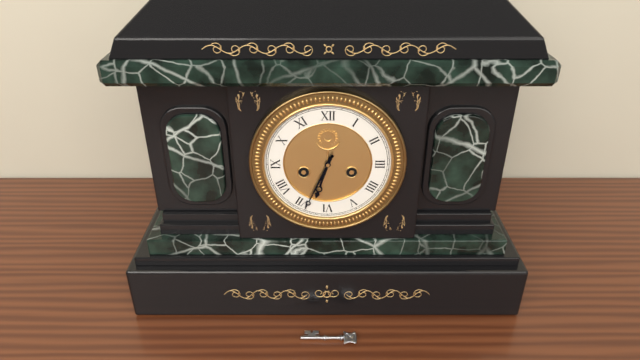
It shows 6h34
